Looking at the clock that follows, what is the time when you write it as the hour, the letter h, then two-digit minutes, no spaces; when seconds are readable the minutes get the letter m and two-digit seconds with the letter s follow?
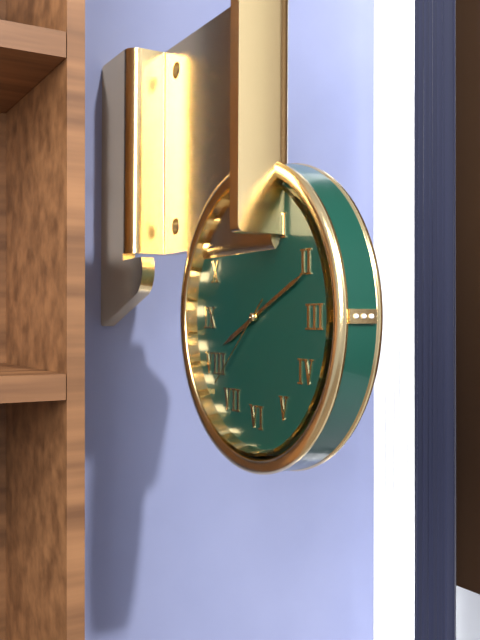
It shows 8h11m38s
